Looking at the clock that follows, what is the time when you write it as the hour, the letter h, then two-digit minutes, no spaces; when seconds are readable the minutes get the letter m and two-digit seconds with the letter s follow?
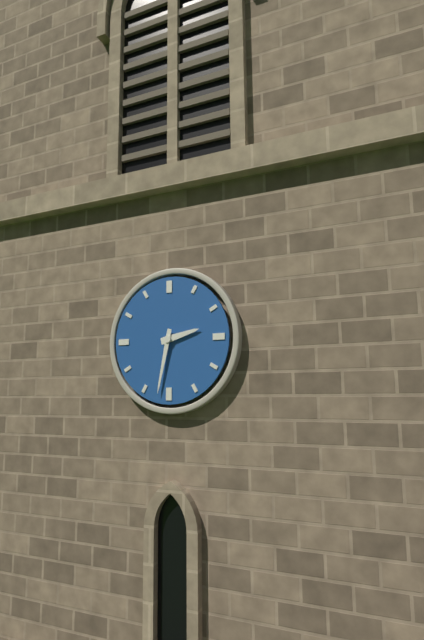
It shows 2h32
